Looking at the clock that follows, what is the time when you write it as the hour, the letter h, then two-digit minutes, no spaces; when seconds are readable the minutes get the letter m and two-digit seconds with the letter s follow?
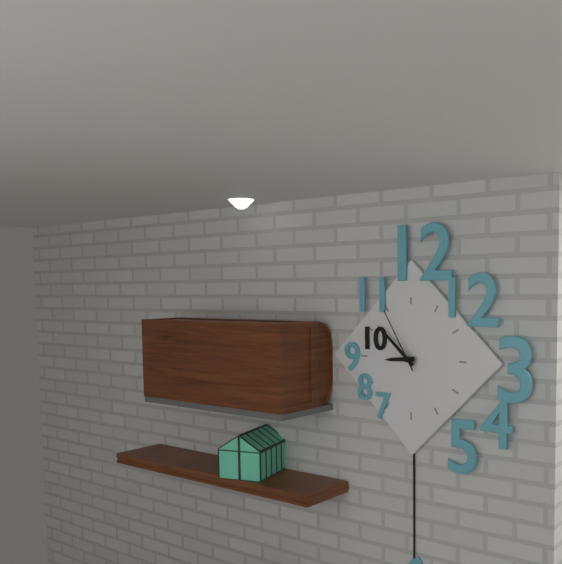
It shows 8h52m55s
